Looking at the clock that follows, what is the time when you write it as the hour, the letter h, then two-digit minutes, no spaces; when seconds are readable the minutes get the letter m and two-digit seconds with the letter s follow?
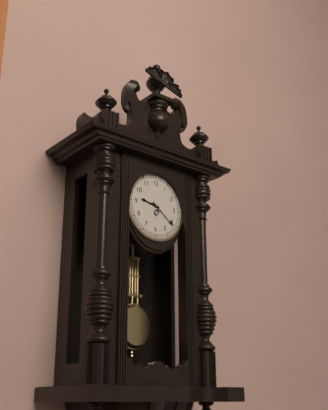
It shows 9h21
